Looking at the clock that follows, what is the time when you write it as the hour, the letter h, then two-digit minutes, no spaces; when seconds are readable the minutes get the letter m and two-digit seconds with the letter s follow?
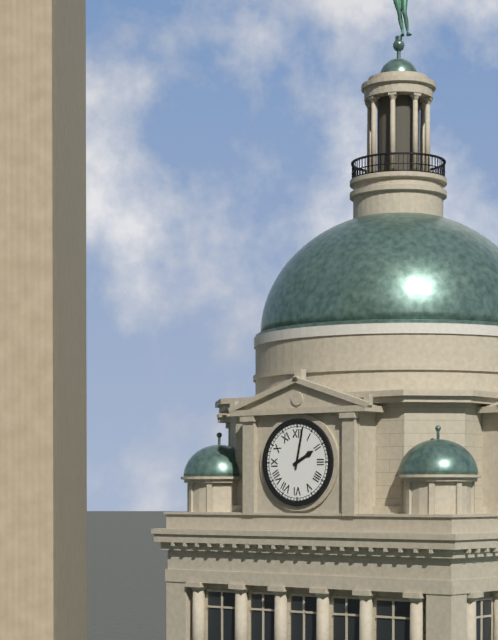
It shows 2h02
